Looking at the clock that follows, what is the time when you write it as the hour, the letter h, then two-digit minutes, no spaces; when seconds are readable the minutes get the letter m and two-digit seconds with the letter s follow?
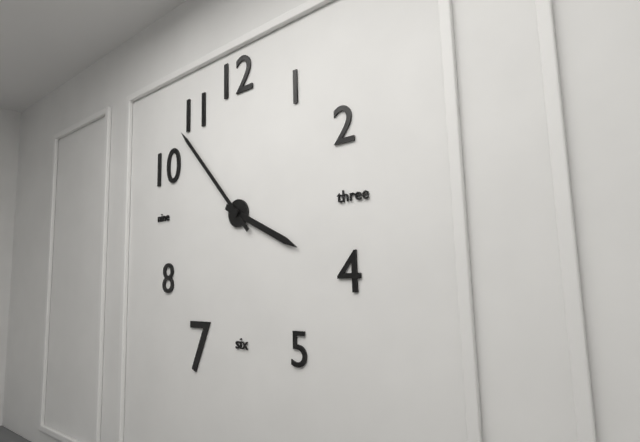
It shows 3h53
